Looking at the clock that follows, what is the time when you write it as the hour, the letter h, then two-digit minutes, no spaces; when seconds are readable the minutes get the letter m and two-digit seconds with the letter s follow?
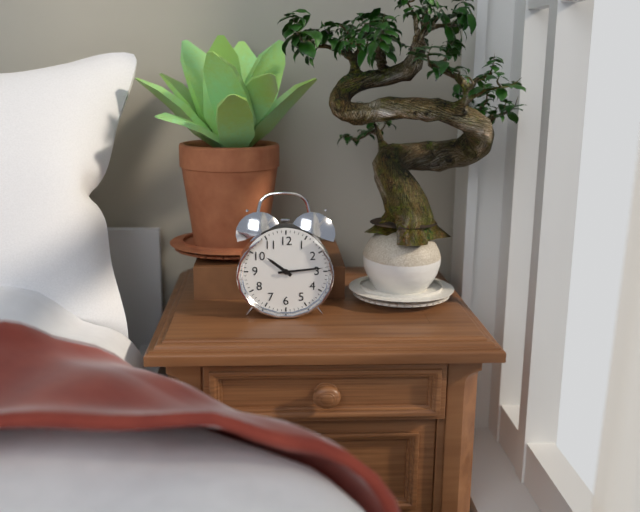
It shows 10h14
